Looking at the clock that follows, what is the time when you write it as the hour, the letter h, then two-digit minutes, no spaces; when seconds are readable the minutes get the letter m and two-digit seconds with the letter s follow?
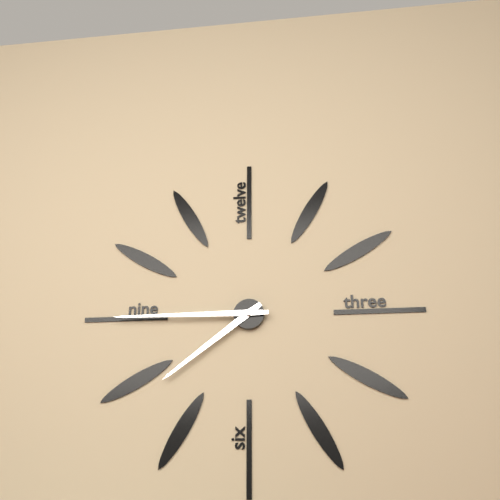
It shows 7h45
